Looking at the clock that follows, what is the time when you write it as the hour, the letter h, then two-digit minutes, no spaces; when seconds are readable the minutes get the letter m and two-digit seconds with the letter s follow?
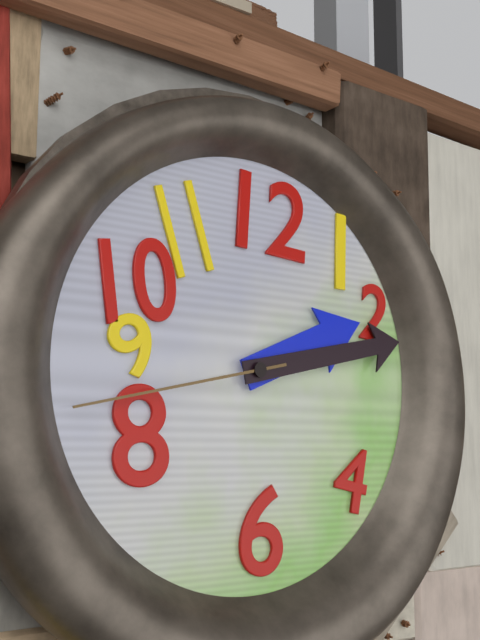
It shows 2h13m43s
